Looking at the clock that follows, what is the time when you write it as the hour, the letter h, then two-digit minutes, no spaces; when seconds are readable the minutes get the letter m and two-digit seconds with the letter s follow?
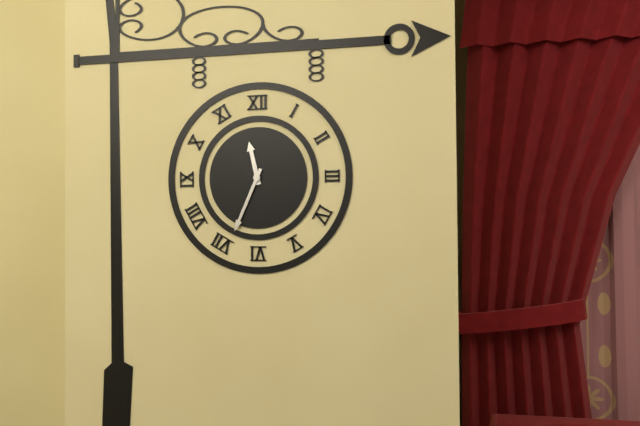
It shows 11h34
